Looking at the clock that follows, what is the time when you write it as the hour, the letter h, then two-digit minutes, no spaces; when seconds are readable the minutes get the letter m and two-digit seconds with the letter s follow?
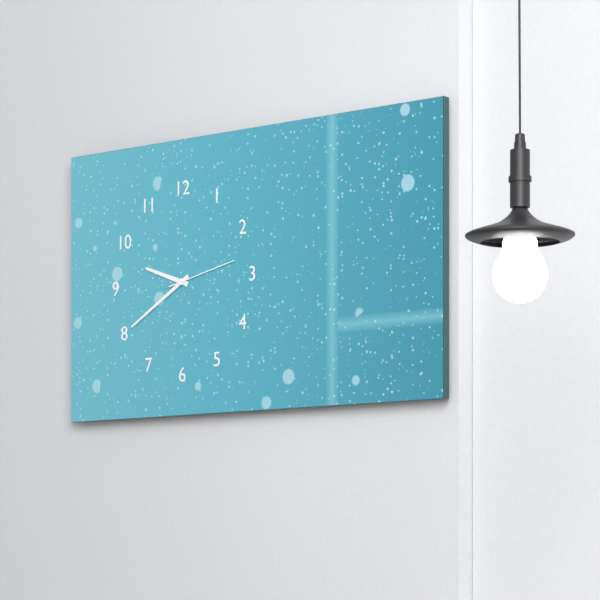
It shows 9h40m13s
